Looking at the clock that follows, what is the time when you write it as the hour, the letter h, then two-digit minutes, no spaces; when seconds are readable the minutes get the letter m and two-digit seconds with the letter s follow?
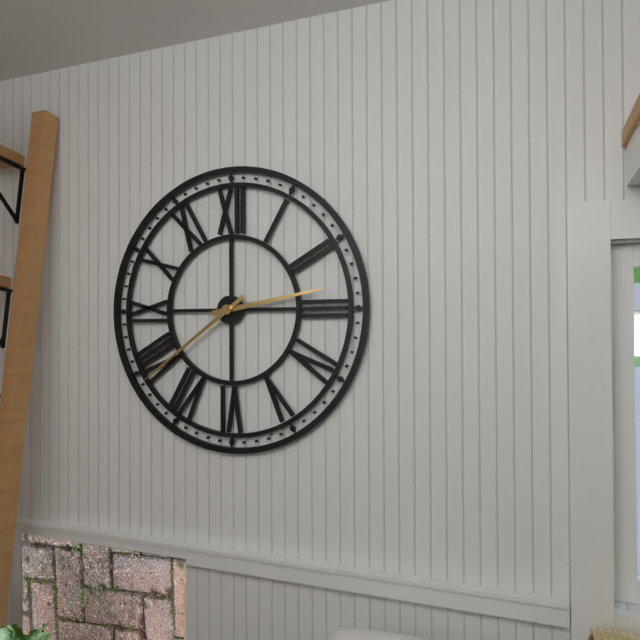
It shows 2h39
